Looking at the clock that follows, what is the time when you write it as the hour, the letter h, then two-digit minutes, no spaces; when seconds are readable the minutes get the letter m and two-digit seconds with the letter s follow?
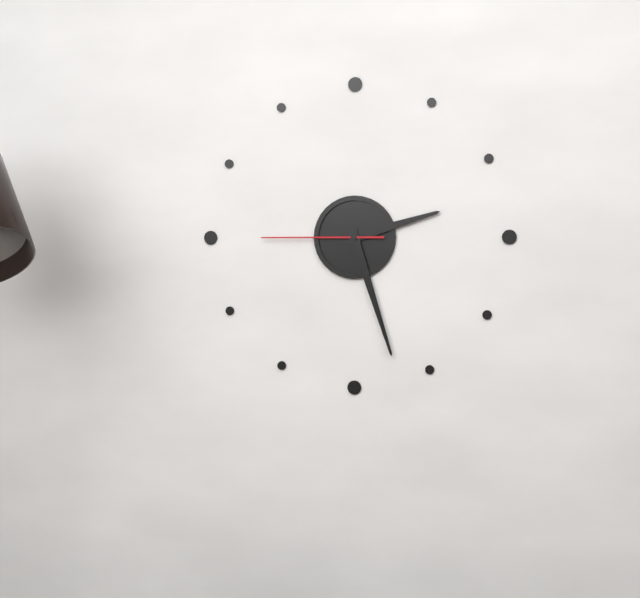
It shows 2h27m45s
